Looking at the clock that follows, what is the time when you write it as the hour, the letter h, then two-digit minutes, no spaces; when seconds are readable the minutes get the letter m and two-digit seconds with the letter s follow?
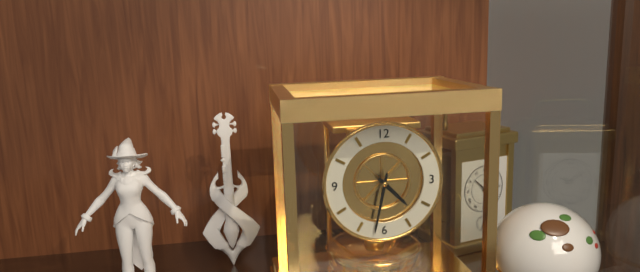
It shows 4h32
